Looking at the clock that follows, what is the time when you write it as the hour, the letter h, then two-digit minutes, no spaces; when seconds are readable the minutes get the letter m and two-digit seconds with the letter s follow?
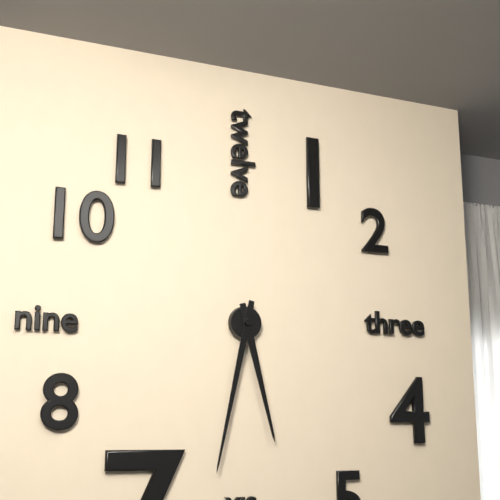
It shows 5h32
